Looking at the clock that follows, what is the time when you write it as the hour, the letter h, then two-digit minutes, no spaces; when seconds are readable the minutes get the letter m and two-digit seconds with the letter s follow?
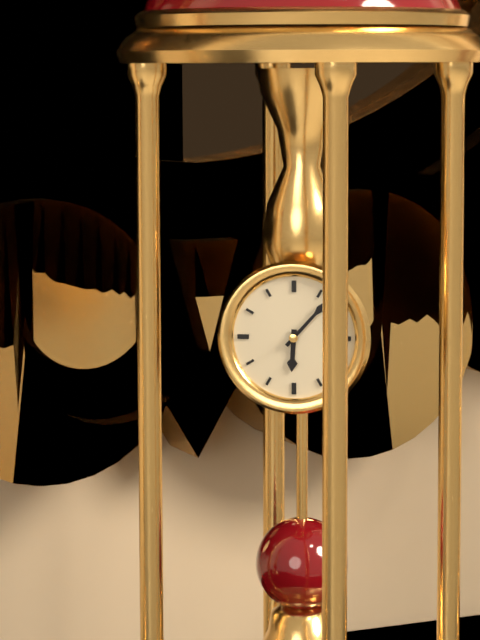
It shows 6h07
